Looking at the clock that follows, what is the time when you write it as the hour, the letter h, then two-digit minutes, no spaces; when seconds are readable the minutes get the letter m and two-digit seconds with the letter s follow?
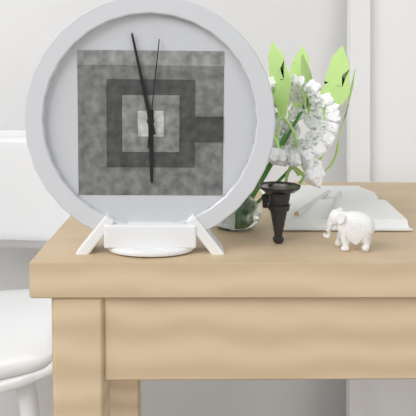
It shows 5h58m01s
